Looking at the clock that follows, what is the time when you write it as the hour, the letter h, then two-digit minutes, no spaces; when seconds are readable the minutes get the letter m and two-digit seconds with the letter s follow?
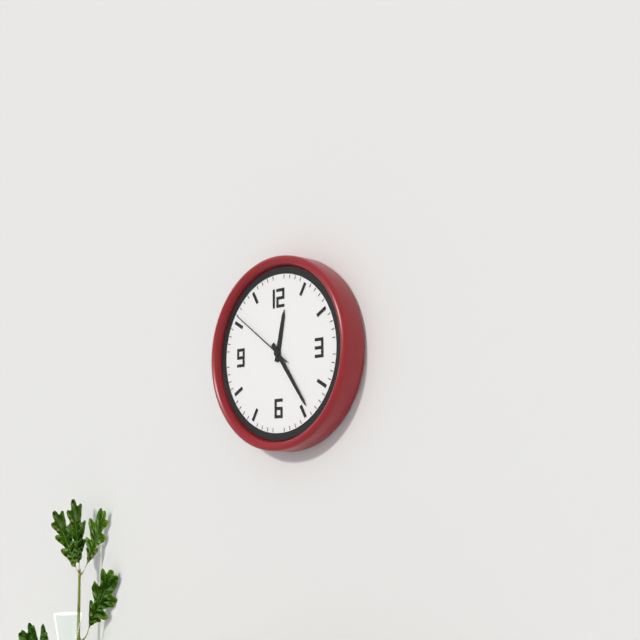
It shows 12h24m51s
